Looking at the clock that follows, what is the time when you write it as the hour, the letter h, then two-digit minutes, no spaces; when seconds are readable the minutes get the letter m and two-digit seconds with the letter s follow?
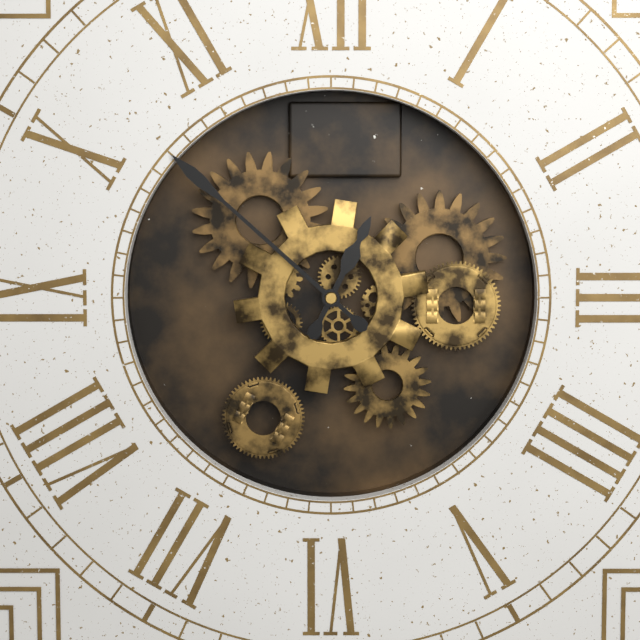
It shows 12h52
